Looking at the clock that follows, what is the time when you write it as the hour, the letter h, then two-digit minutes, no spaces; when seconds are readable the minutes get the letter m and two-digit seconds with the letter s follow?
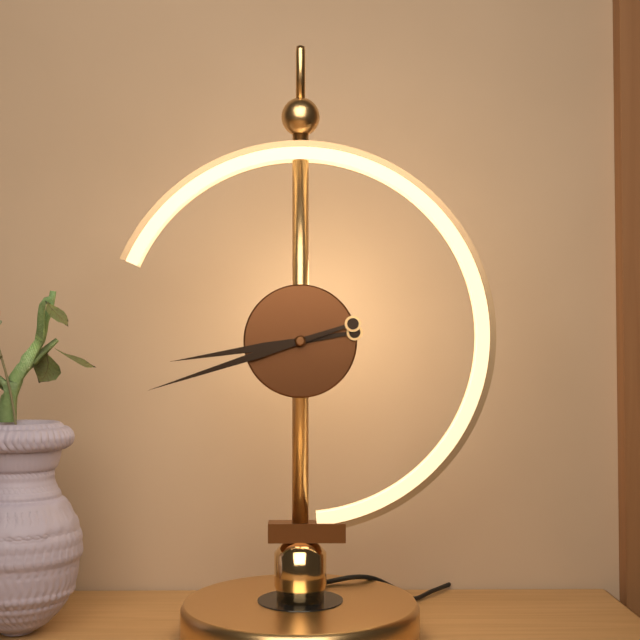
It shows 8h42
